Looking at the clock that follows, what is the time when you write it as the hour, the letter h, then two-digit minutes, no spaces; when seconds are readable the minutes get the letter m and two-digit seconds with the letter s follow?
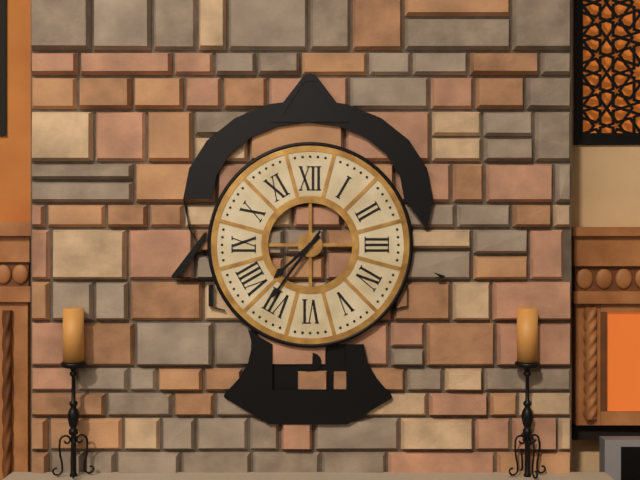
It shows 7h36
